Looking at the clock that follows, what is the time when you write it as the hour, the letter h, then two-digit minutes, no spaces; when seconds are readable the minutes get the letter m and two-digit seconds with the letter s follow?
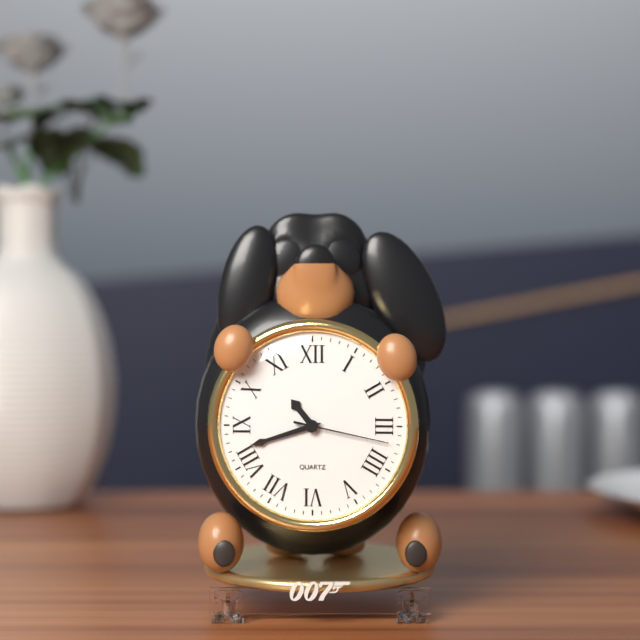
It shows 10h42m17s
